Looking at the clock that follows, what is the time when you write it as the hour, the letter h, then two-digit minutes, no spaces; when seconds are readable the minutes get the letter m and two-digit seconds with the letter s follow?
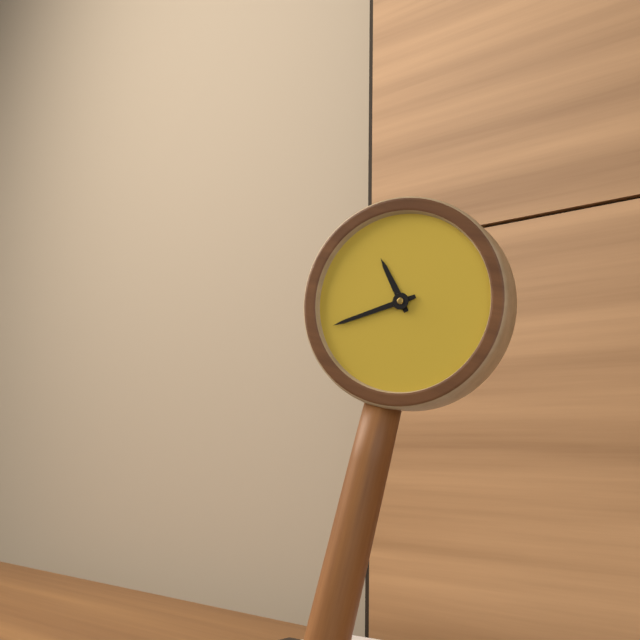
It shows 10h40
